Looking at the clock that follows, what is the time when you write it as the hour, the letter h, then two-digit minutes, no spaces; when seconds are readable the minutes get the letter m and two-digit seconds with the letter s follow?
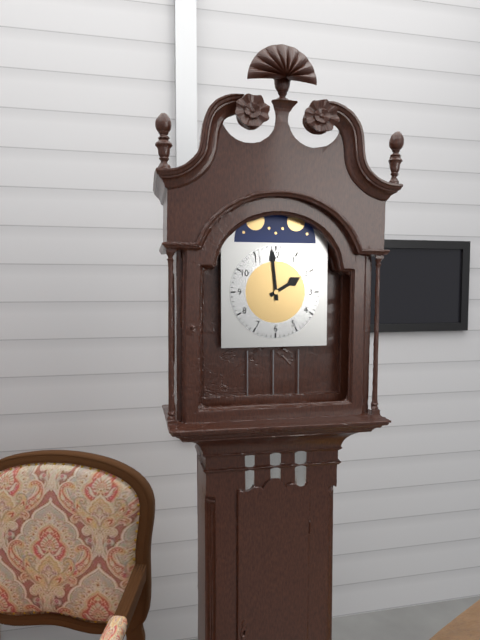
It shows 1h59
